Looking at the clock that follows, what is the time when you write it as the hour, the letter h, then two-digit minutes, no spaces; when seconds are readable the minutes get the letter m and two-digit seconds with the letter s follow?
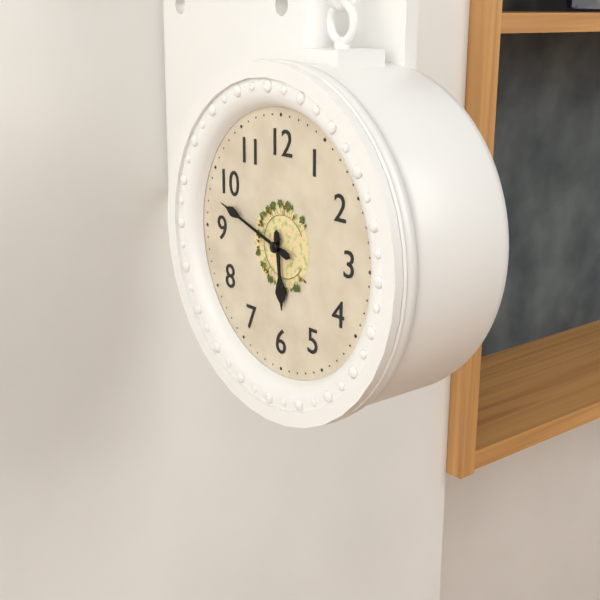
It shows 5h48
